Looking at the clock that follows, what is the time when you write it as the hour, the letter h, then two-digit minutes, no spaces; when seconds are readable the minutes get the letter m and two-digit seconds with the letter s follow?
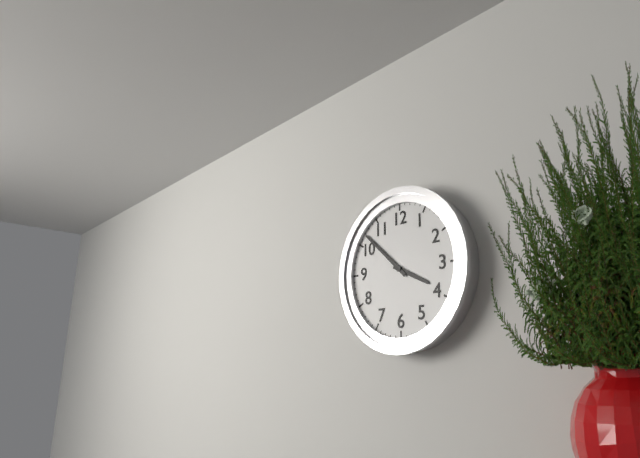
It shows 3h52
